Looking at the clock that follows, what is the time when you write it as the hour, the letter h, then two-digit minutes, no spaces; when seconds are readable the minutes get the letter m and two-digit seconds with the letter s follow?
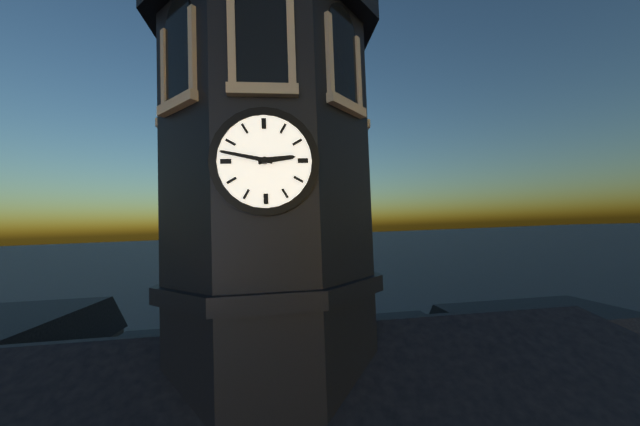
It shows 2h47
